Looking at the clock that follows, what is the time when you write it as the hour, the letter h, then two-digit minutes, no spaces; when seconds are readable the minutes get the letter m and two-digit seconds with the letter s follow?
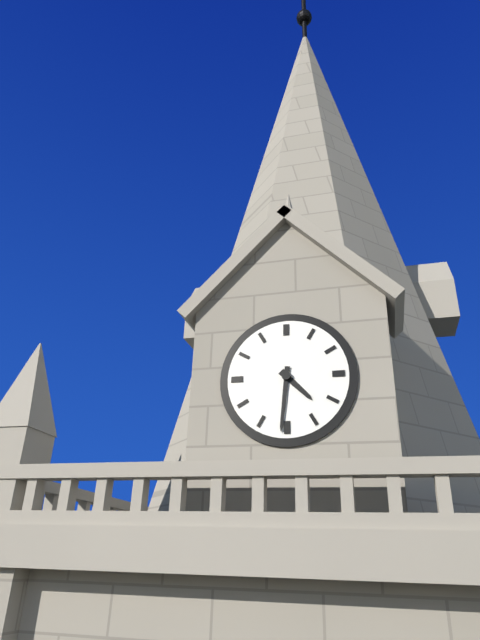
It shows 4h31
